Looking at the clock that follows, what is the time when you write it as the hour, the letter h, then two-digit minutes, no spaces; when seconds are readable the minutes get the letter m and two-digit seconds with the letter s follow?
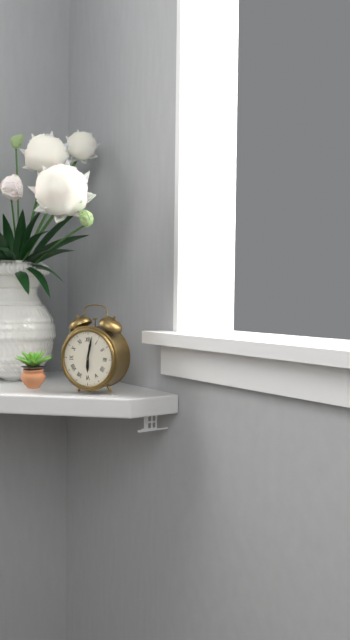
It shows 6h02
